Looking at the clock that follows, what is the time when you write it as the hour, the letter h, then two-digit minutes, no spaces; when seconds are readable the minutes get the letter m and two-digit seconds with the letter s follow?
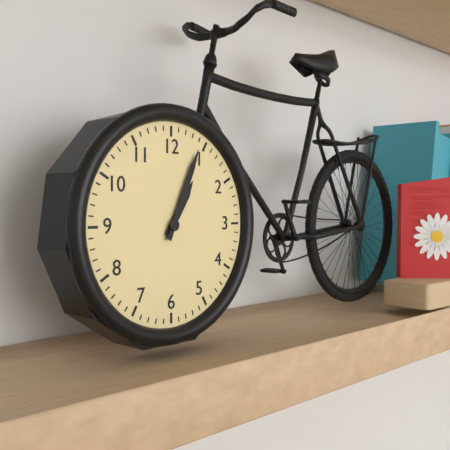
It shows 1h04
